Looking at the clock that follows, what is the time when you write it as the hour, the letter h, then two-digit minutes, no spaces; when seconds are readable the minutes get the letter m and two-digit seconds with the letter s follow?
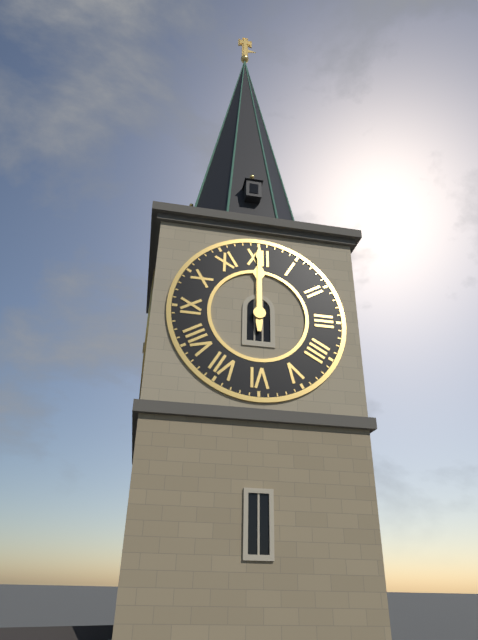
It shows 12h00
